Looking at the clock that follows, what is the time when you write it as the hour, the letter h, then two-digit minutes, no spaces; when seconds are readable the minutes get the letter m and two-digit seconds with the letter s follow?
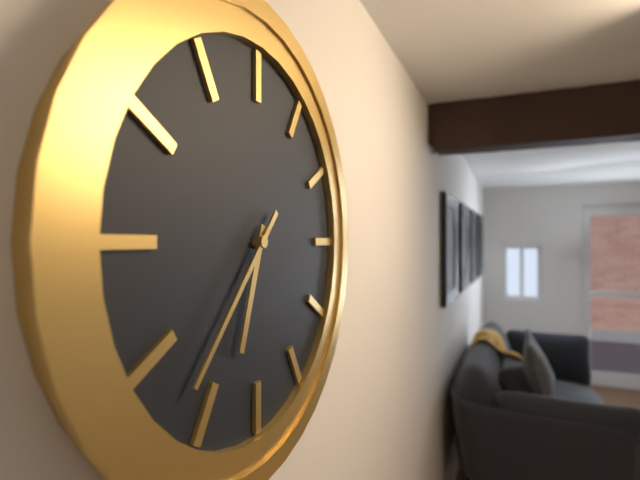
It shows 6h37
